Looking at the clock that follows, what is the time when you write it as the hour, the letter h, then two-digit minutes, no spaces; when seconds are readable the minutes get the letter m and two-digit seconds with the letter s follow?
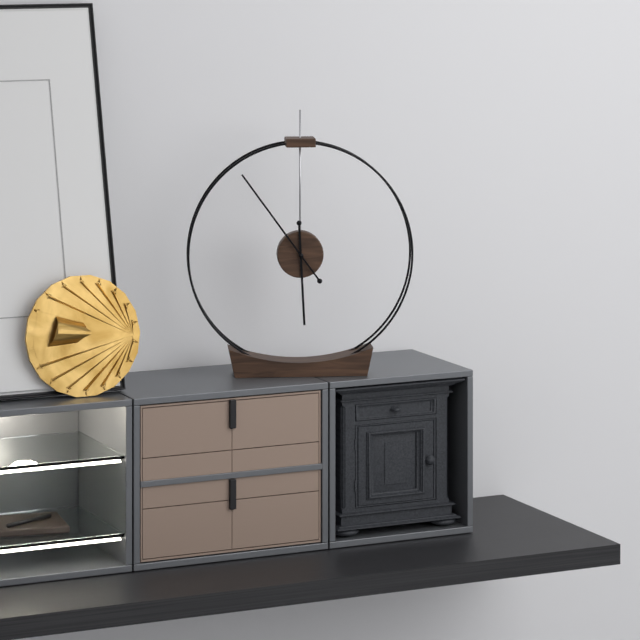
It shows 5h54
